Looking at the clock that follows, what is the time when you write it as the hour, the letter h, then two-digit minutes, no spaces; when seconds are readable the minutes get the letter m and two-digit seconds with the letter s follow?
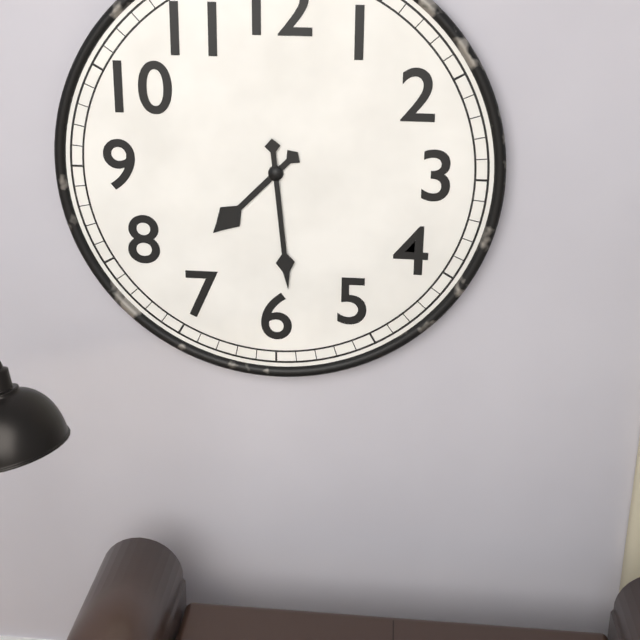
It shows 7h29
